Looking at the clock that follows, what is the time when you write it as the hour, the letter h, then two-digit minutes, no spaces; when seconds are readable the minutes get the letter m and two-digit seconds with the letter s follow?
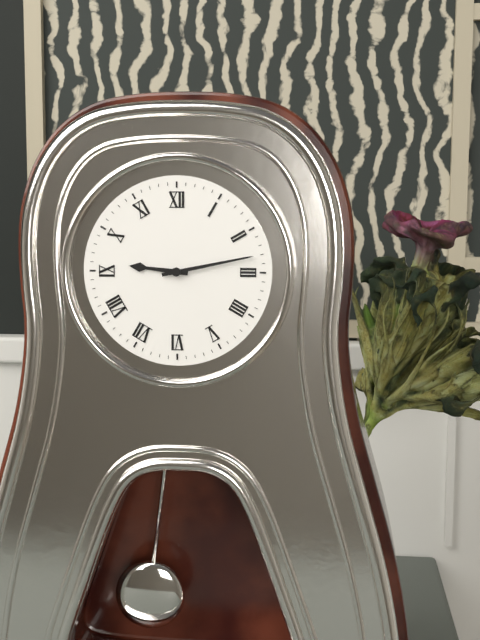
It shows 9h13
